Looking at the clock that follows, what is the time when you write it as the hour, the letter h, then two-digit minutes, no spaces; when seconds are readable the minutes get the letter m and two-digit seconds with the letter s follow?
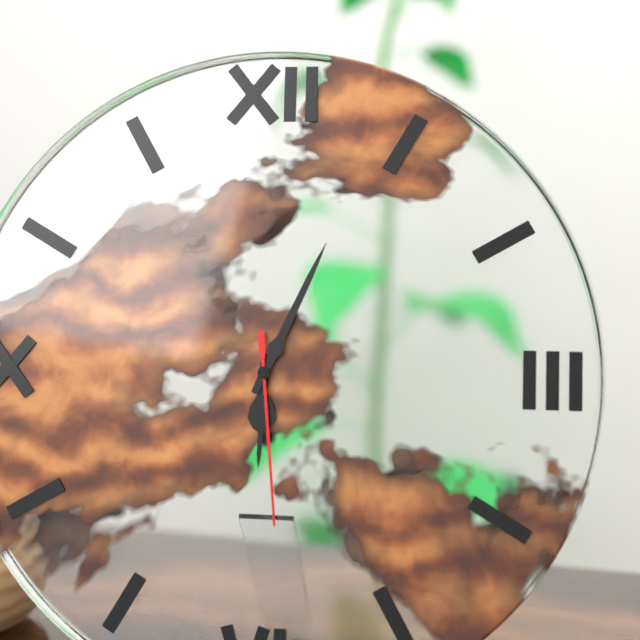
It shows 6h04m29s
